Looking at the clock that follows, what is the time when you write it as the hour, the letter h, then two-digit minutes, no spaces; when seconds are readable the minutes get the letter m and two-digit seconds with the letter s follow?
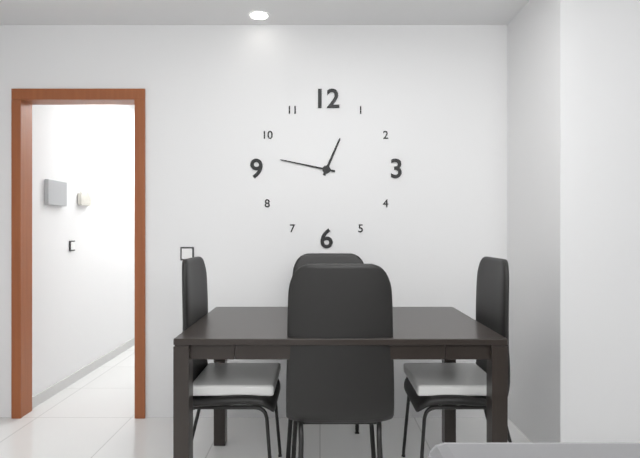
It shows 12h47
